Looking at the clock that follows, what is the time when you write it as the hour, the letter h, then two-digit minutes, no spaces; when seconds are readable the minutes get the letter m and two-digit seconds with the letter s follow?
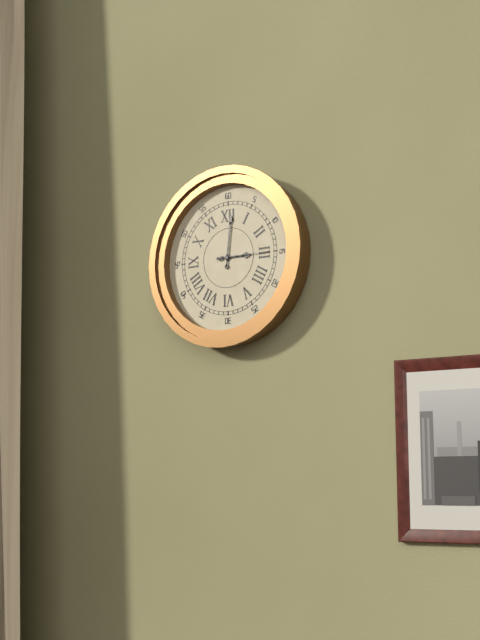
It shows 3h01m15s
